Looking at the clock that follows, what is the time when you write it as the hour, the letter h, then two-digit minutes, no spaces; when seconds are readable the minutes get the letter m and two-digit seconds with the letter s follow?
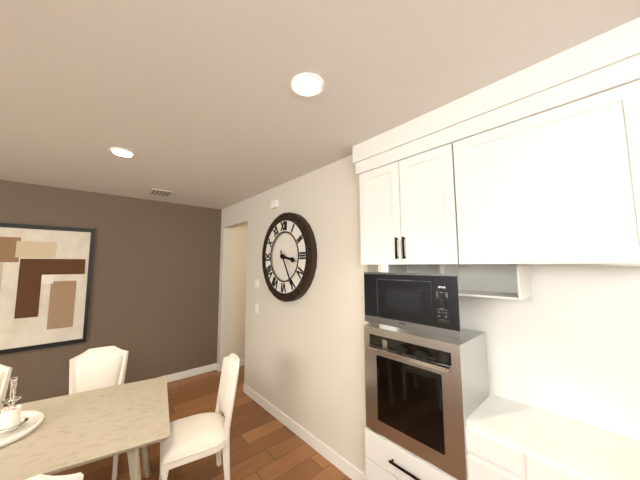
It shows 3h25
